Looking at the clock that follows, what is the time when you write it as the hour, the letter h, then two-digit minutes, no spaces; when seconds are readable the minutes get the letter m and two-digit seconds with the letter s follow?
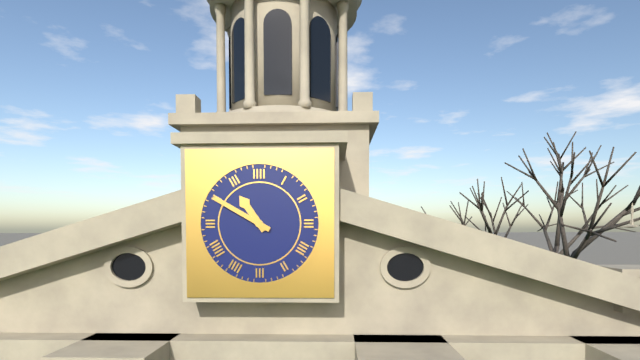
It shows 10h50
